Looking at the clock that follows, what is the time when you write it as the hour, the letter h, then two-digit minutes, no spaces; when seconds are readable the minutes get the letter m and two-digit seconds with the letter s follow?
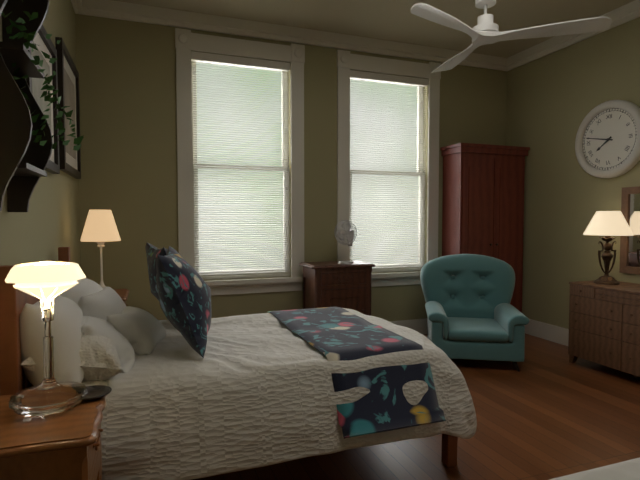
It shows 7h47
